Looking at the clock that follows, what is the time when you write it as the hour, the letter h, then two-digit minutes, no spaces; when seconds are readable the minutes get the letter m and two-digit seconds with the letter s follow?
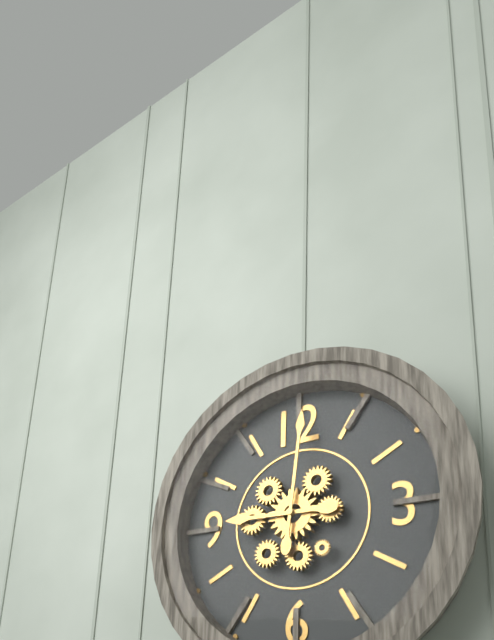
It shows 9h01
